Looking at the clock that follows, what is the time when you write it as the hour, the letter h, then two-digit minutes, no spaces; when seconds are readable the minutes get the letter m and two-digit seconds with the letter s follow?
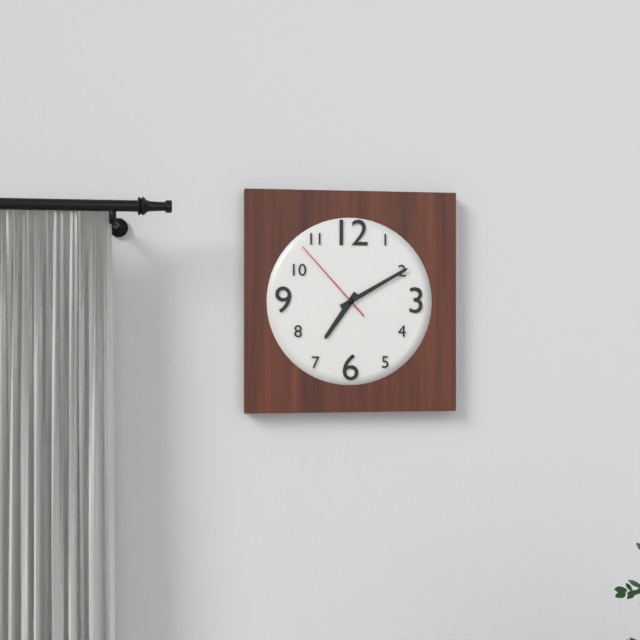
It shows 7h10m53s
